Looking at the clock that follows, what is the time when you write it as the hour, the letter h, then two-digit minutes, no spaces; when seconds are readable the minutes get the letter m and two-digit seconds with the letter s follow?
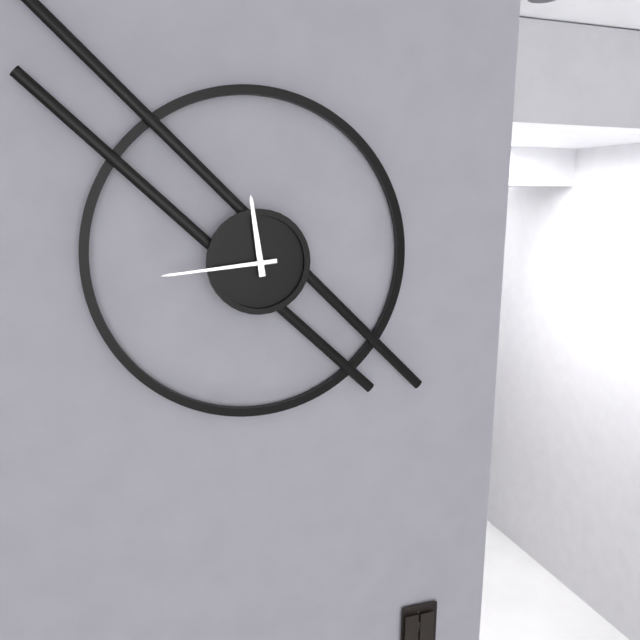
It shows 11h44
